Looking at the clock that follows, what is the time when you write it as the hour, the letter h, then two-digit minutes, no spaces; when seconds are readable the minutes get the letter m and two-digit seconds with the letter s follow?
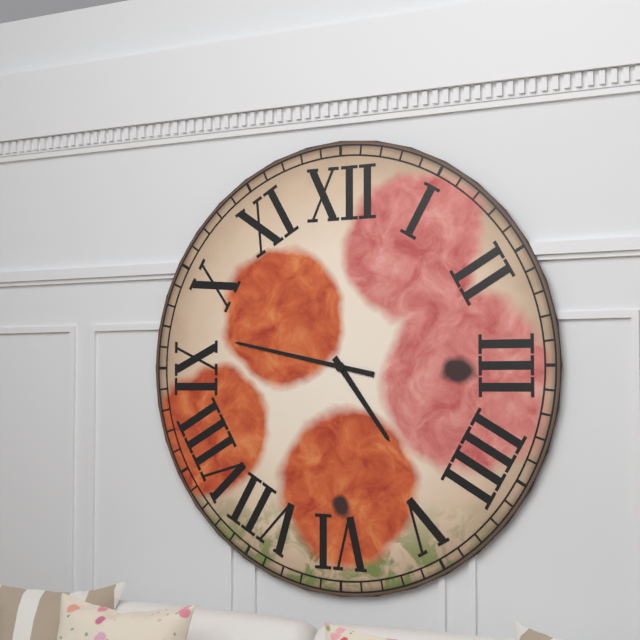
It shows 4h47
